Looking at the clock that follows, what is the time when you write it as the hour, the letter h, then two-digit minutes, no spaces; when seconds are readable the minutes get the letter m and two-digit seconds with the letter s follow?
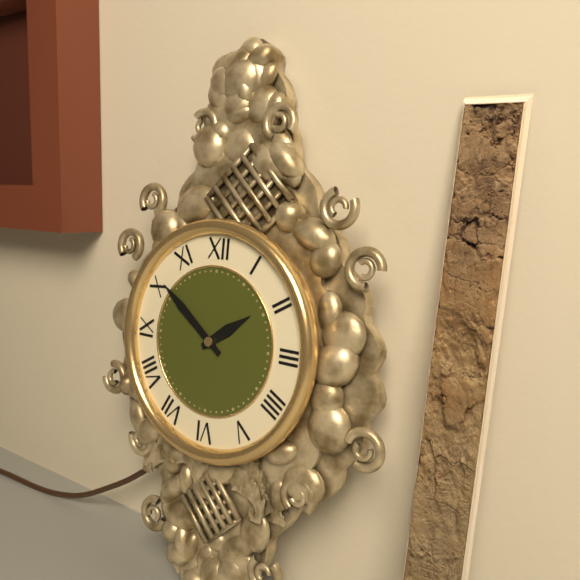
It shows 1h51
